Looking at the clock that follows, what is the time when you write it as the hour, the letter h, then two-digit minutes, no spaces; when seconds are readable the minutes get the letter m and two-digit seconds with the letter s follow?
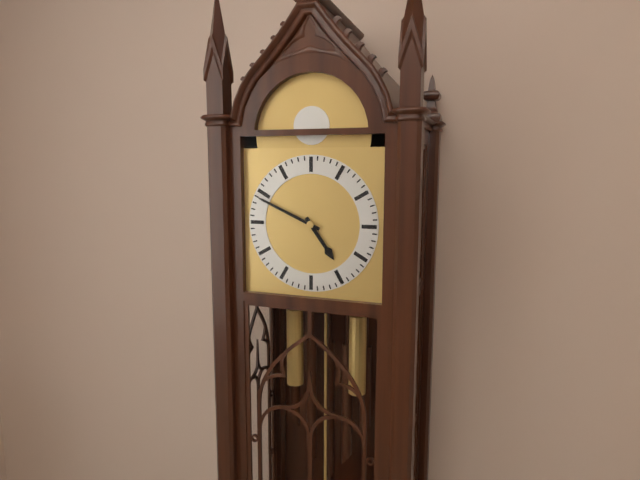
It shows 4h49
